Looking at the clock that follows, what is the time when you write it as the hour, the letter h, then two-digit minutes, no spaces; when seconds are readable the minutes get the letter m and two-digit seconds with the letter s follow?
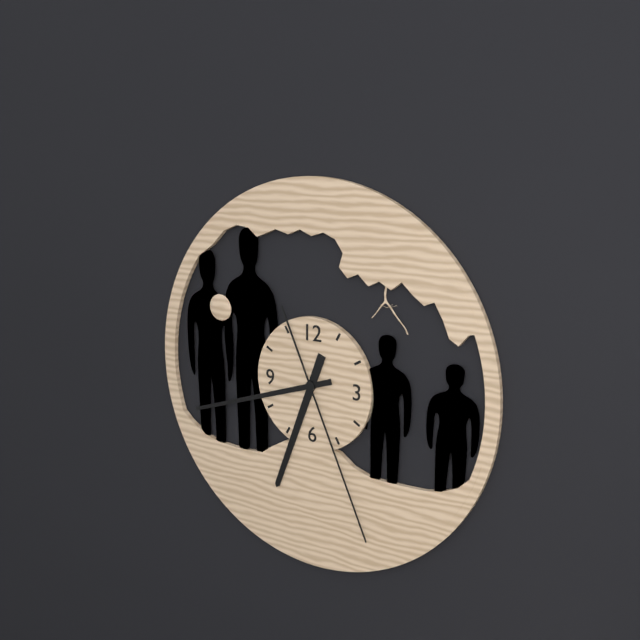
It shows 6h42m26s
